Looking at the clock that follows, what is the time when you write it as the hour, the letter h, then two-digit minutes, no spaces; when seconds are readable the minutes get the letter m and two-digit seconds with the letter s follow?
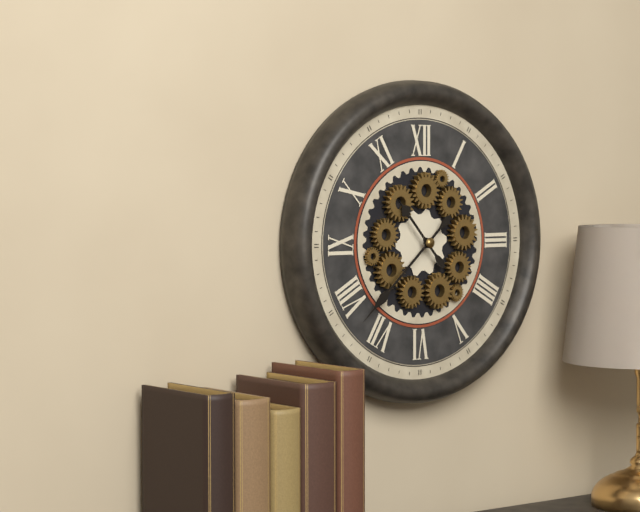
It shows 10h38
